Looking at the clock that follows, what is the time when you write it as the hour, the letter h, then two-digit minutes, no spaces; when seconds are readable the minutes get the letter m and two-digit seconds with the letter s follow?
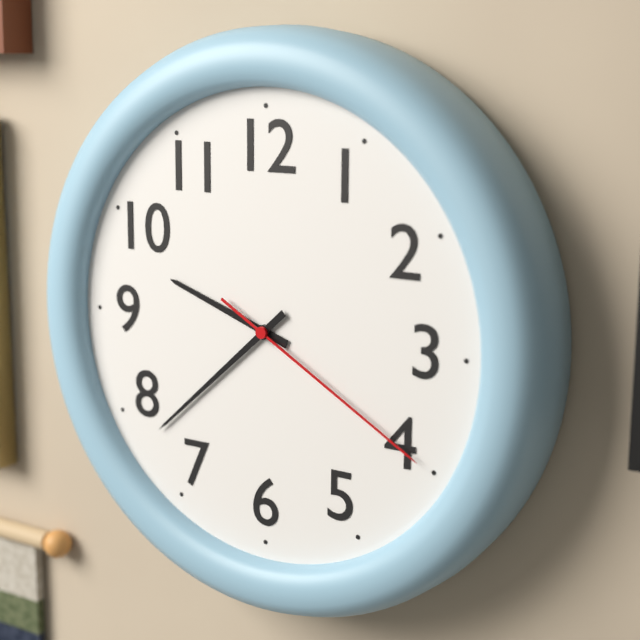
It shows 9h38m20s
